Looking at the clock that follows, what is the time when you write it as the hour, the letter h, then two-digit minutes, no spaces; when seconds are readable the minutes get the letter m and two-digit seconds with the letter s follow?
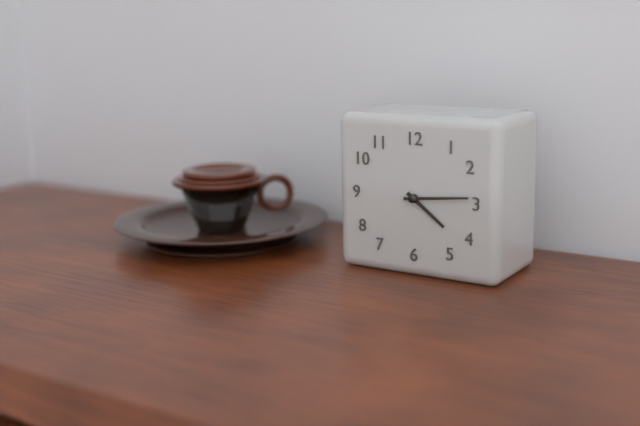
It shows 4h14
